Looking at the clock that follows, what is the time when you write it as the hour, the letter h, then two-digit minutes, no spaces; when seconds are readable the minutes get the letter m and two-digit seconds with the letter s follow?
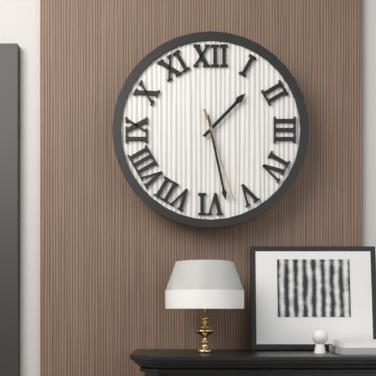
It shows 1h28m27s
